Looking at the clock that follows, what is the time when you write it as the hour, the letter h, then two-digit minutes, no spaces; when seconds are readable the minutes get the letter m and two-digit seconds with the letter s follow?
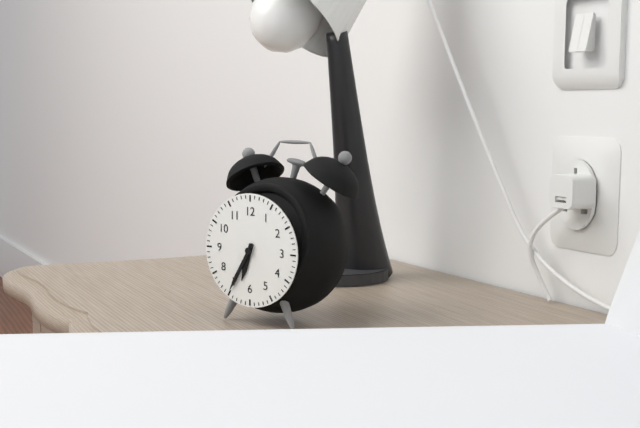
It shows 6h35
